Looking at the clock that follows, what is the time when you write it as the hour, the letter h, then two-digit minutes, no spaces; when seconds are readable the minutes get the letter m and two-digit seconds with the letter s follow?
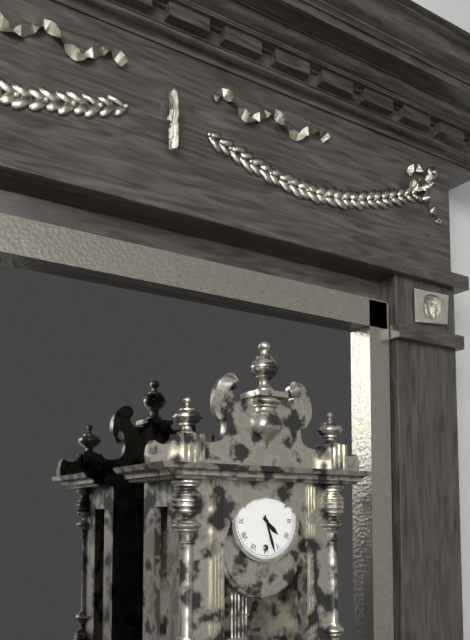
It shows 4h27
